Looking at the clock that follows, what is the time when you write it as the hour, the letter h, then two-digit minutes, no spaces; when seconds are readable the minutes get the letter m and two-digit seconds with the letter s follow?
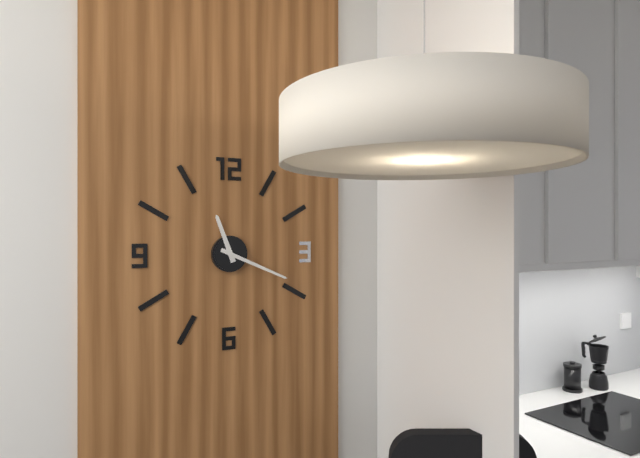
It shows 11h19
